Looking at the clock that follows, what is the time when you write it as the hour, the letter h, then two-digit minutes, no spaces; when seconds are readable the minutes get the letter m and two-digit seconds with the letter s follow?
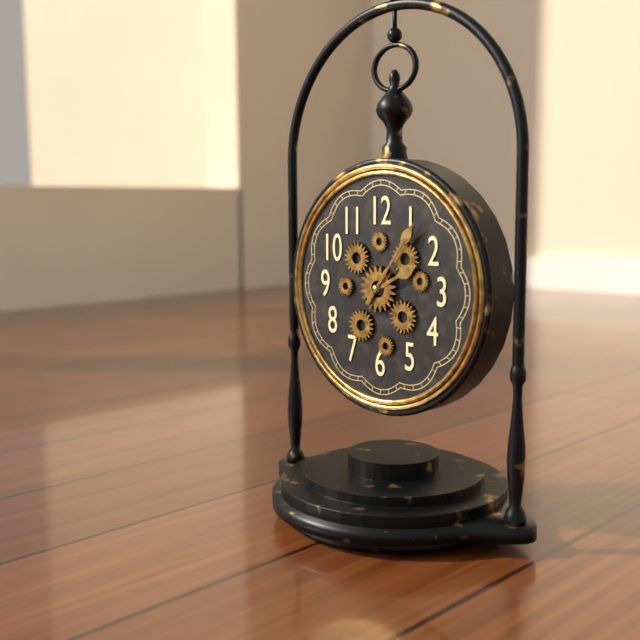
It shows 2h06
